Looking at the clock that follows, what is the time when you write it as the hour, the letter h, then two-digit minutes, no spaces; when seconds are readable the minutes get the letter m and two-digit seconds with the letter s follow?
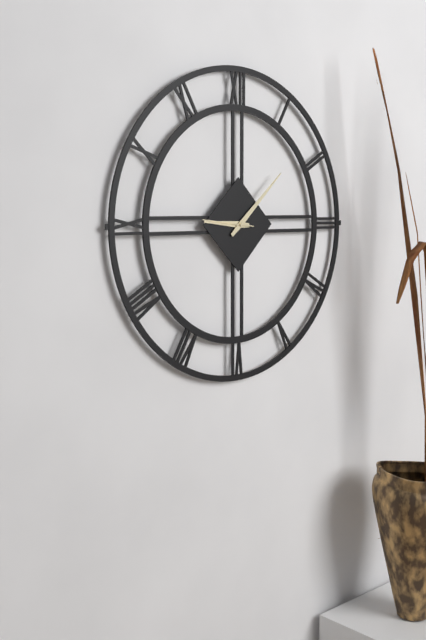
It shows 9h08
